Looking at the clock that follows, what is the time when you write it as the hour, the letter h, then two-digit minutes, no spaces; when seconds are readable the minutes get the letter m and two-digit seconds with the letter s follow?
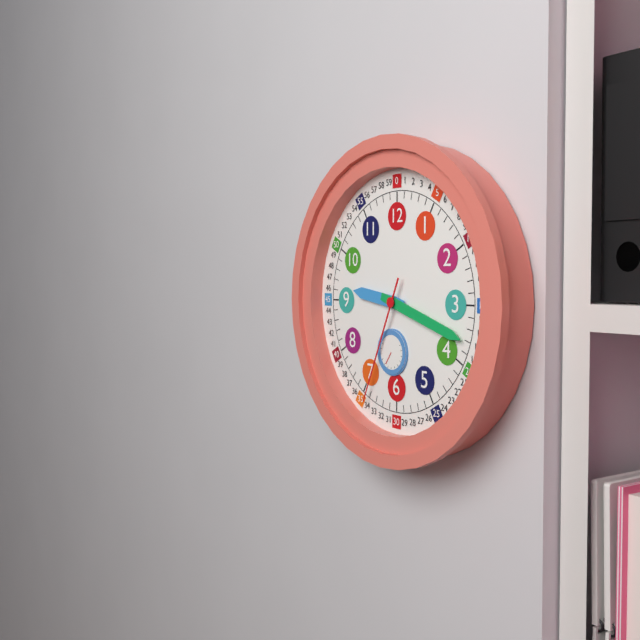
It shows 9h18m34s
